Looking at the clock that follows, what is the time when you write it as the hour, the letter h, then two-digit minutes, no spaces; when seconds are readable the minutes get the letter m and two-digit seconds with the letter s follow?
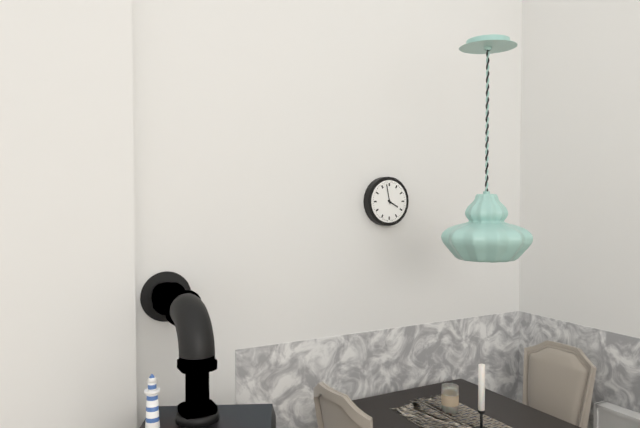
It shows 3h58
